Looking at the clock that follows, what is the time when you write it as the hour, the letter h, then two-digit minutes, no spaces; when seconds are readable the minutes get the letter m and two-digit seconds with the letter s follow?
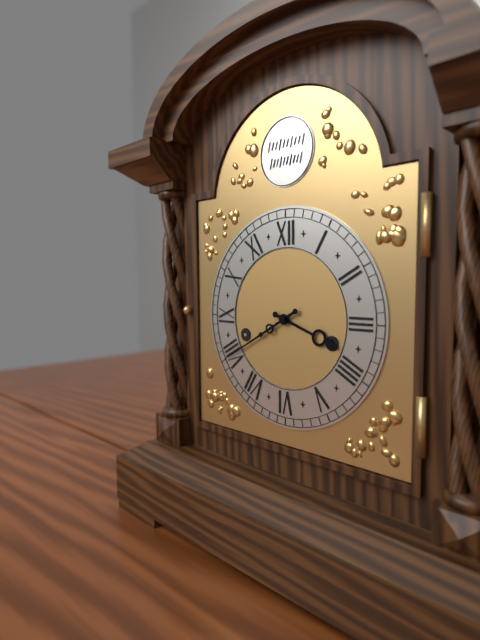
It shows 3h40
